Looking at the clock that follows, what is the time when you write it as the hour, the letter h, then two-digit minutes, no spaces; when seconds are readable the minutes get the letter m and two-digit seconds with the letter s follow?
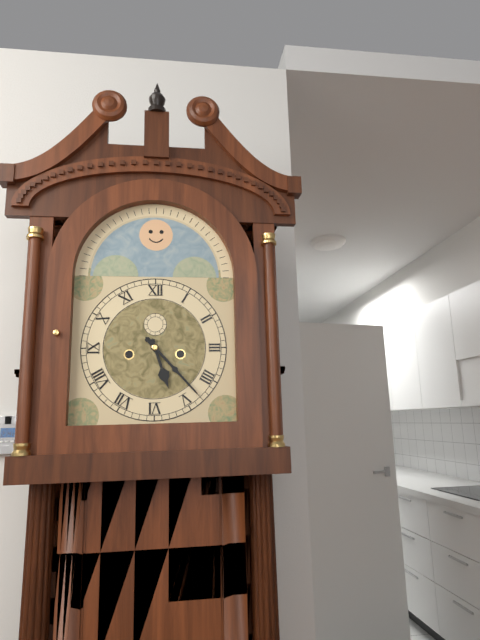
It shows 5h23
